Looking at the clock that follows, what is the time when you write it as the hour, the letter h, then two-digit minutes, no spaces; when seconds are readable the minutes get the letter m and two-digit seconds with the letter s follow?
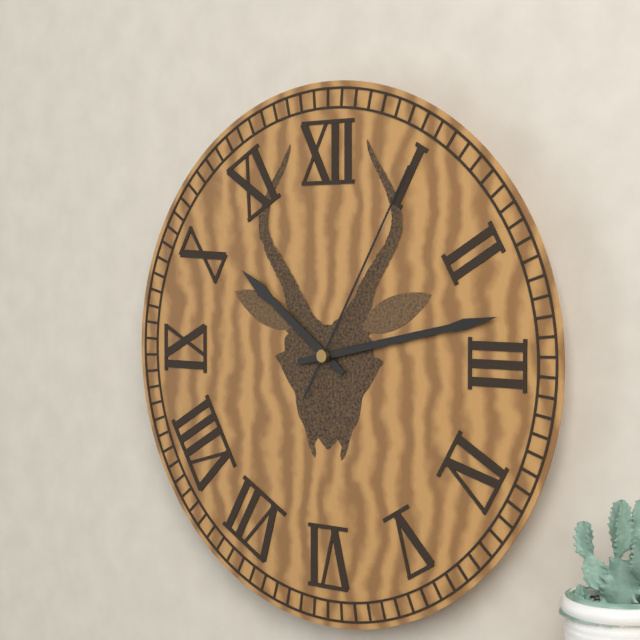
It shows 10h13m05s
